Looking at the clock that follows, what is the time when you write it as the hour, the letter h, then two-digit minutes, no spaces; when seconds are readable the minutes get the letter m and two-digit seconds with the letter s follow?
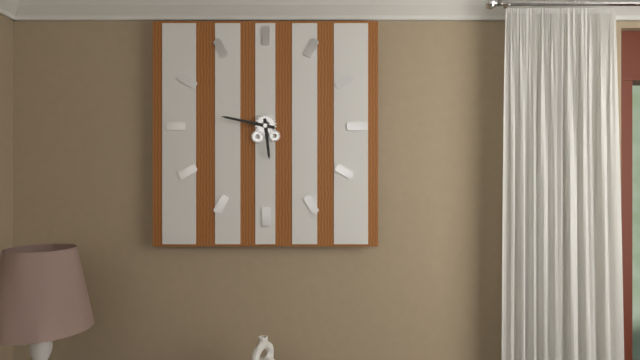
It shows 5h47
